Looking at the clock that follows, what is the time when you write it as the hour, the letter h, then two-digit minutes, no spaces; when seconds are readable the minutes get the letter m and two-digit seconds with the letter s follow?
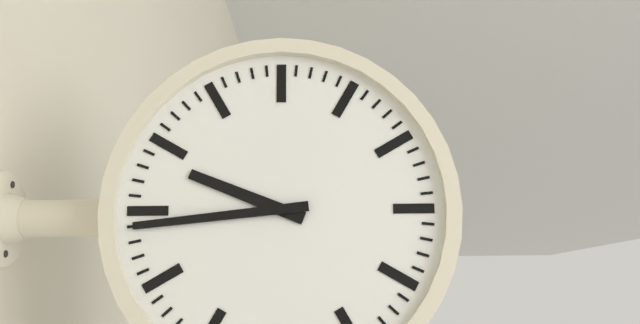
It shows 9h44
